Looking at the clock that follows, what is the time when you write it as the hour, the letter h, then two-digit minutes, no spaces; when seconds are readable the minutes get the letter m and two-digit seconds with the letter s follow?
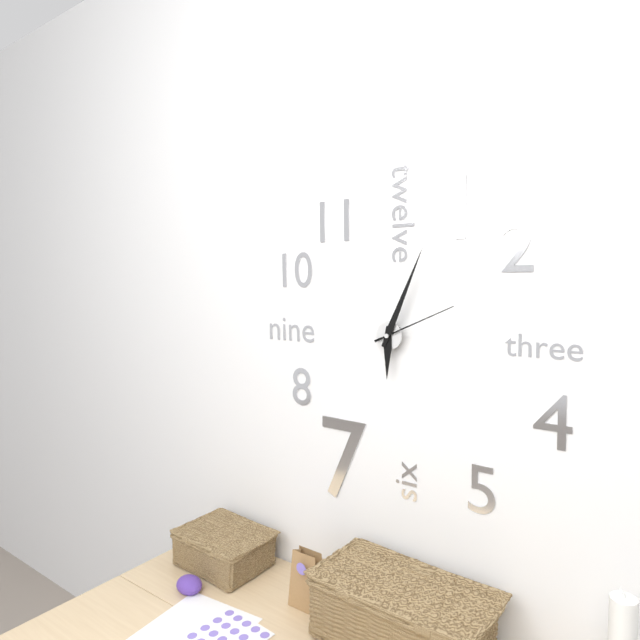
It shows 6h04m11s
